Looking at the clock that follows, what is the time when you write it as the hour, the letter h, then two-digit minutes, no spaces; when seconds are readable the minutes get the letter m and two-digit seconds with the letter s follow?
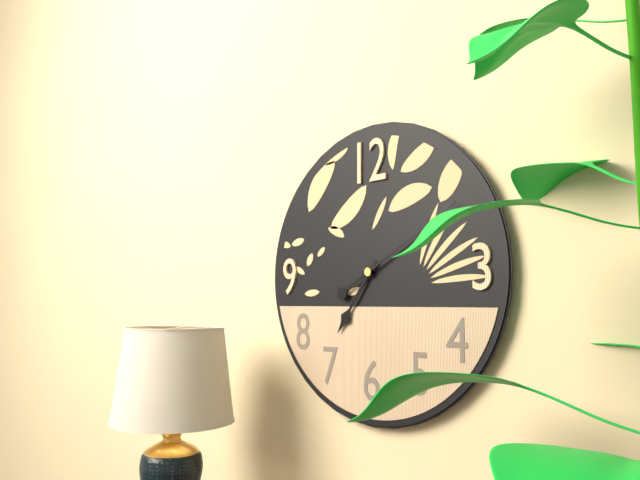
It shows 7h10
